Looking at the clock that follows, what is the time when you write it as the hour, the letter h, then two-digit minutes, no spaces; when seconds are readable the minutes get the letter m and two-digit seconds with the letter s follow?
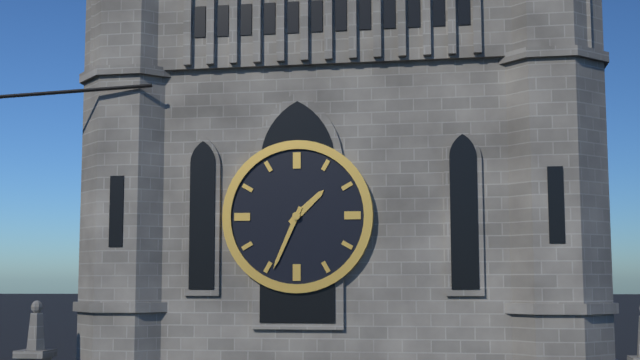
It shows 1h34
